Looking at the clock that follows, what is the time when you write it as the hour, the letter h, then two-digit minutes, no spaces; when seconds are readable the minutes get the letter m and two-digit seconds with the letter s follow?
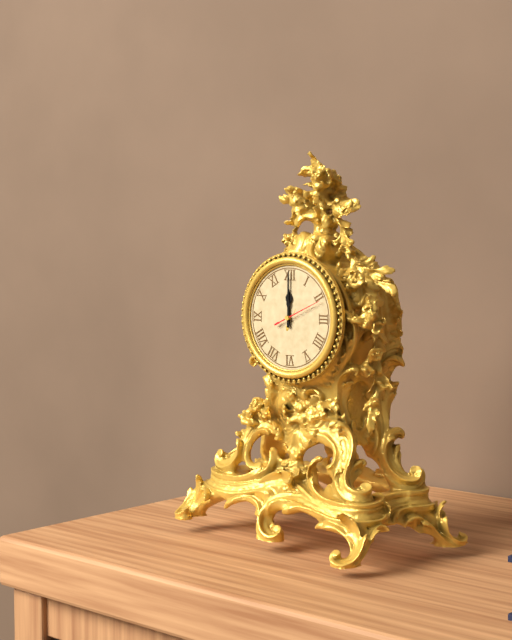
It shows 12h00
